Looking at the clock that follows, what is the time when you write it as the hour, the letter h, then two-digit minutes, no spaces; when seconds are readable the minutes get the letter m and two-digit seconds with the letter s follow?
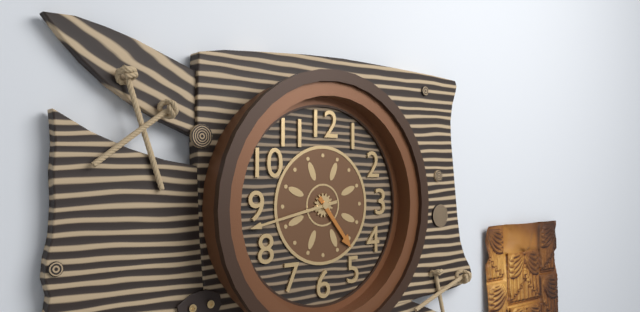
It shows 4h43
